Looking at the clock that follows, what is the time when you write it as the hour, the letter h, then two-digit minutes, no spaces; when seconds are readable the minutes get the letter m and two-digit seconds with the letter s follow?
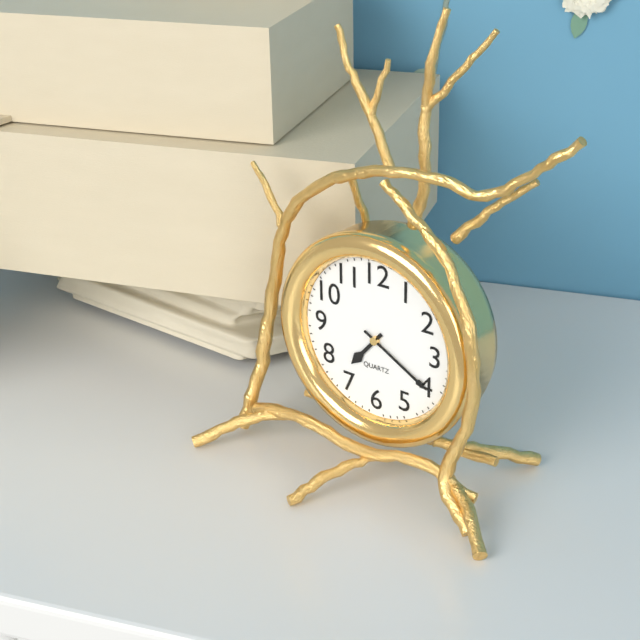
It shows 7h20
